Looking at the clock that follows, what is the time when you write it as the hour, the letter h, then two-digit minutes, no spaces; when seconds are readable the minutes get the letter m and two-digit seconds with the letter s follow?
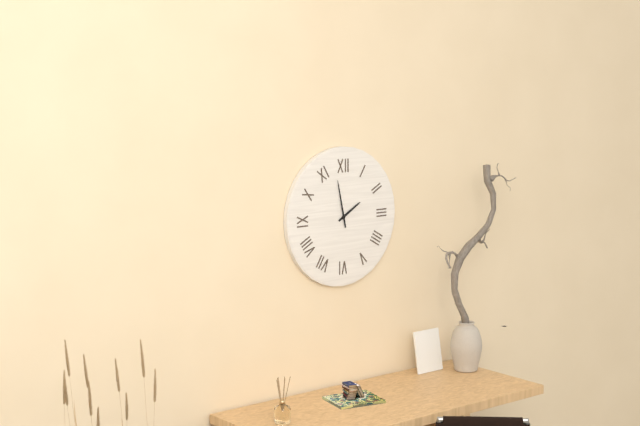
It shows 1h58
